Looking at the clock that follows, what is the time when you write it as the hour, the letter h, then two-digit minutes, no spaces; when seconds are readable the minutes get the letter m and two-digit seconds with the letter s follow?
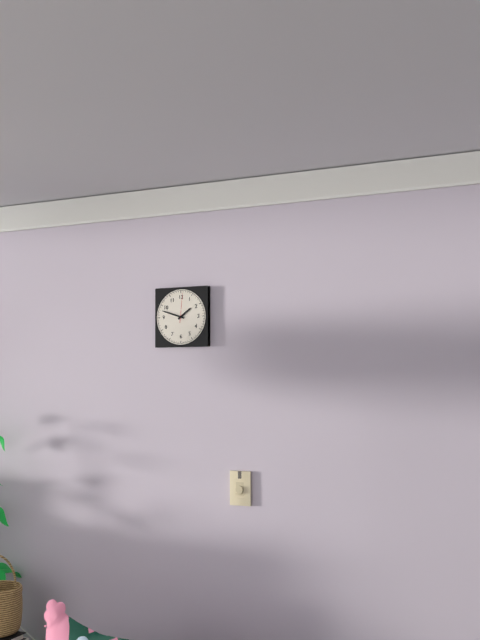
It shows 1h48
